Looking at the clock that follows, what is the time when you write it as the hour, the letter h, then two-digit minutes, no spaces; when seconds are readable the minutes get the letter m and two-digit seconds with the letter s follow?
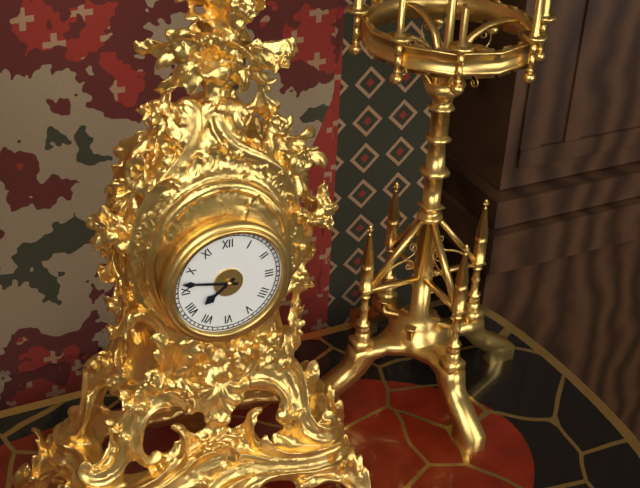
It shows 7h47
